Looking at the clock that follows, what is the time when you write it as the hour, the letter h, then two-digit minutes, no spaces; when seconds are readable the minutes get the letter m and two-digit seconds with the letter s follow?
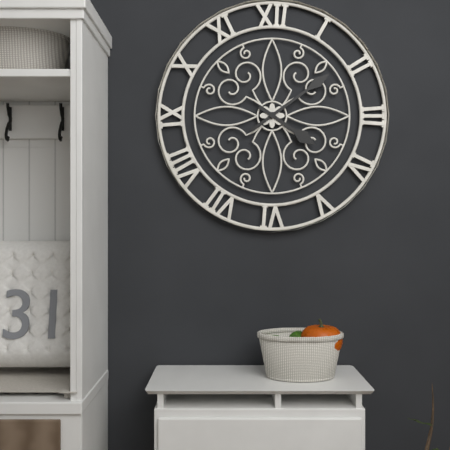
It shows 4h09
